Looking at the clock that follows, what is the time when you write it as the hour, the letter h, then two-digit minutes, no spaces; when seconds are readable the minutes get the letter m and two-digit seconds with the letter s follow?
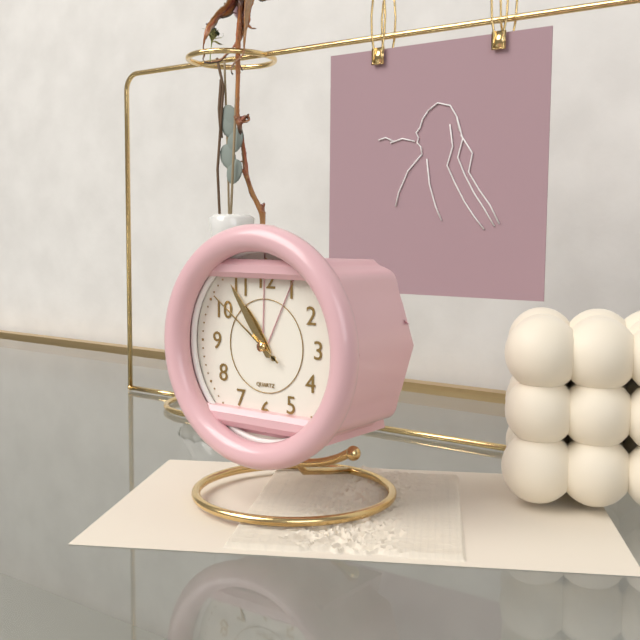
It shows 10h54m51s
